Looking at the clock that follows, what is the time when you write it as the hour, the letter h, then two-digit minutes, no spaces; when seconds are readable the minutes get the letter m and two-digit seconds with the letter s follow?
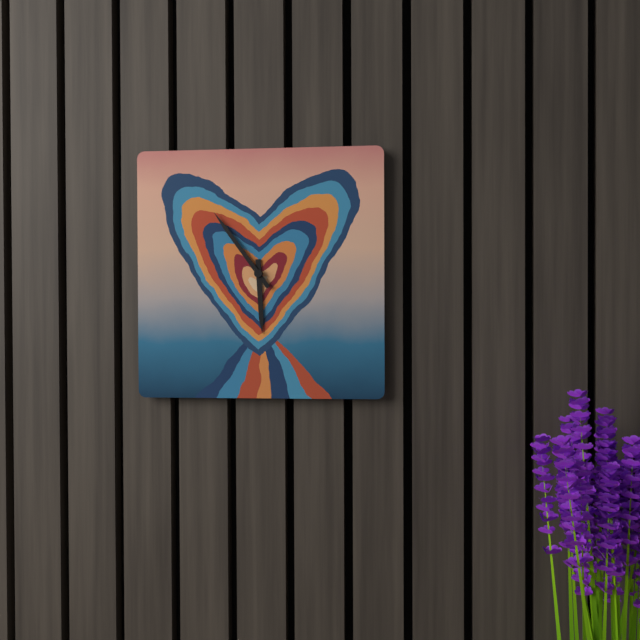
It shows 5h54
